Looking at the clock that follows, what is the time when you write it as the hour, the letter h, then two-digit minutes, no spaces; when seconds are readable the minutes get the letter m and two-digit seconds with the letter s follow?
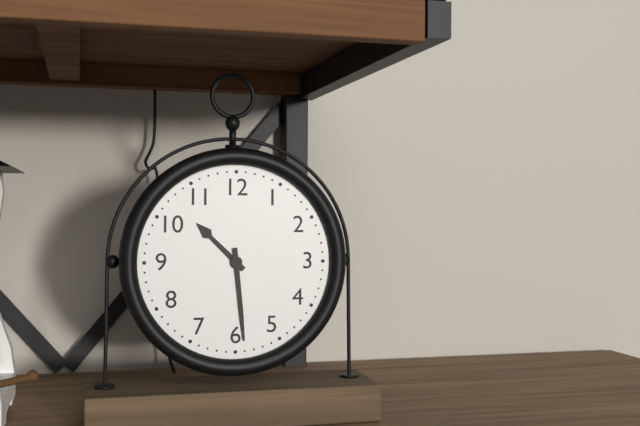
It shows 10h29
